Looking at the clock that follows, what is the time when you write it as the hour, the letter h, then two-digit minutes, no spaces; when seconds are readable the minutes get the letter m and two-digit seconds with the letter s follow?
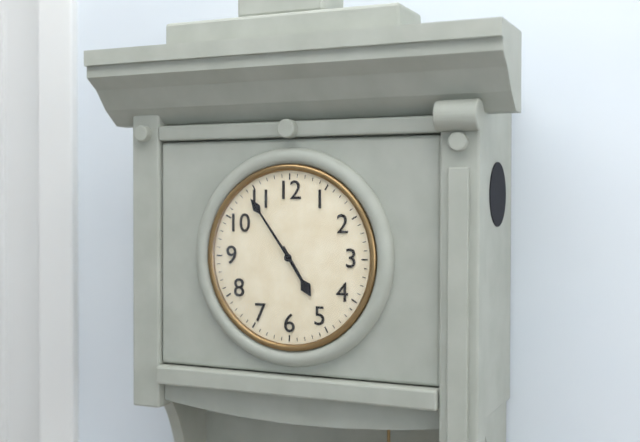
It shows 4h54
